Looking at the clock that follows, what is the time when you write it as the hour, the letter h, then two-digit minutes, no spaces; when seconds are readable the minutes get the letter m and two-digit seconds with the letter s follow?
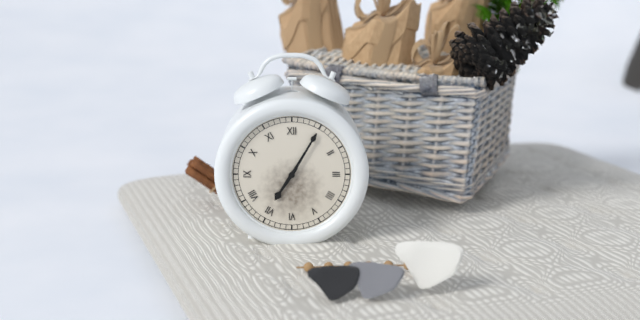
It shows 7h05
